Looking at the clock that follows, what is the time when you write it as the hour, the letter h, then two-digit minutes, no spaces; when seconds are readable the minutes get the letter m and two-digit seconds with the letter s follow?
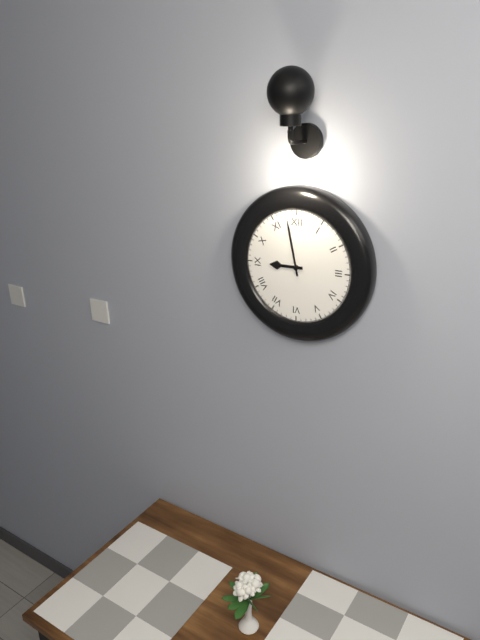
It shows 8h58
